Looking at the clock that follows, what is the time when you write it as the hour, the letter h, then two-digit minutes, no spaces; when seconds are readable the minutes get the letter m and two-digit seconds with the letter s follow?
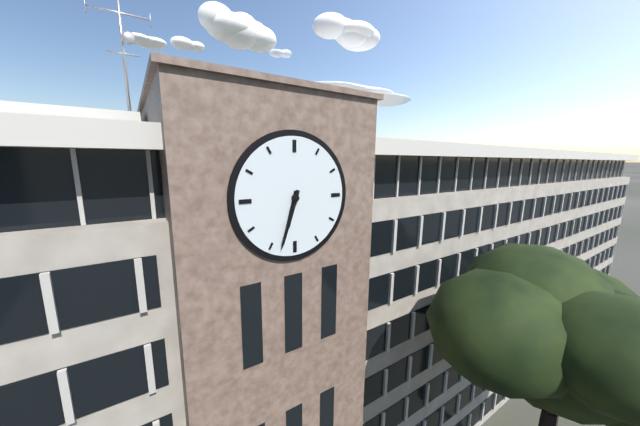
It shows 6h33
